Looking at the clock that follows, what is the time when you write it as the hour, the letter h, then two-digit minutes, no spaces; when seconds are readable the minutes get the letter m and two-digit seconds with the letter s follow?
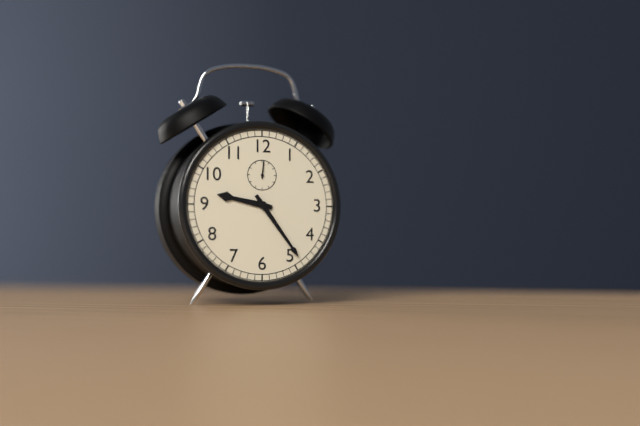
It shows 9h24
